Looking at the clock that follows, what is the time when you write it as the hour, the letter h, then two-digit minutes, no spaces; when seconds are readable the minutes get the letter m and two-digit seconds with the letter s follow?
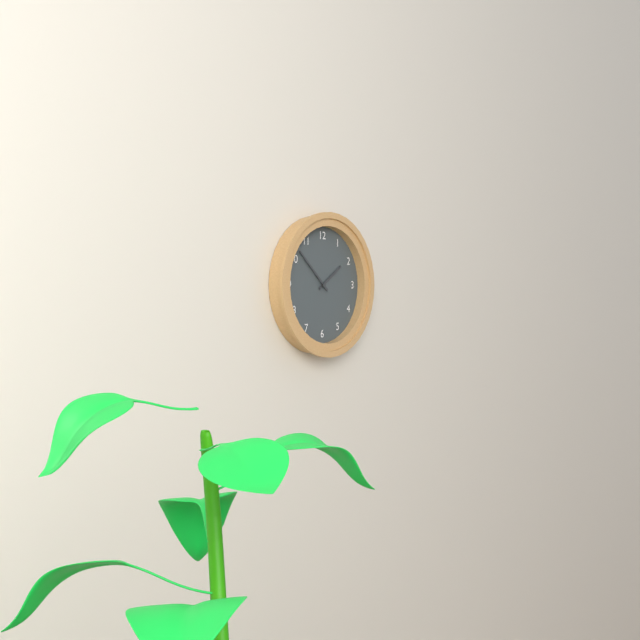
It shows 1h52
